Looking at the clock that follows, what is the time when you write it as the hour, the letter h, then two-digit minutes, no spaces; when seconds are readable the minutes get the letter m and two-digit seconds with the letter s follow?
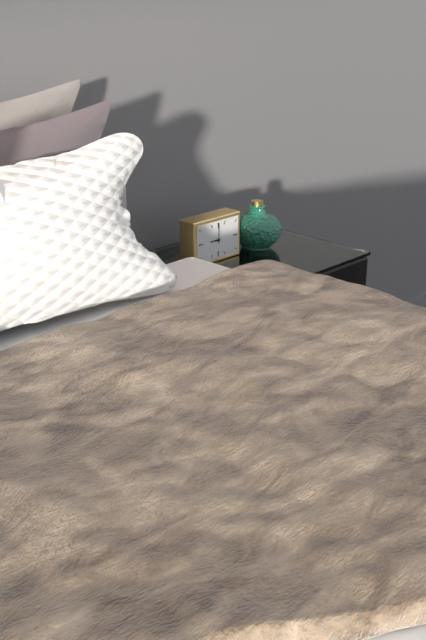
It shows 9h00
